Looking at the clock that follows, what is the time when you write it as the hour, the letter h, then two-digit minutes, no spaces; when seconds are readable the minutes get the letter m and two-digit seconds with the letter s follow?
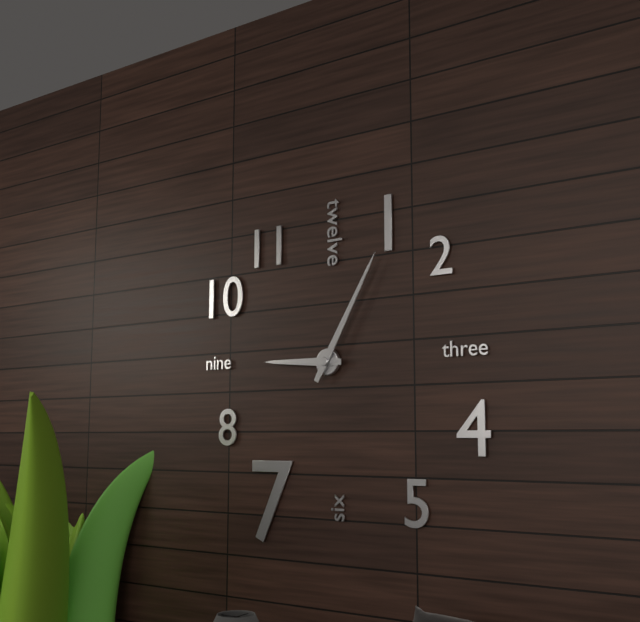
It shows 9h05
